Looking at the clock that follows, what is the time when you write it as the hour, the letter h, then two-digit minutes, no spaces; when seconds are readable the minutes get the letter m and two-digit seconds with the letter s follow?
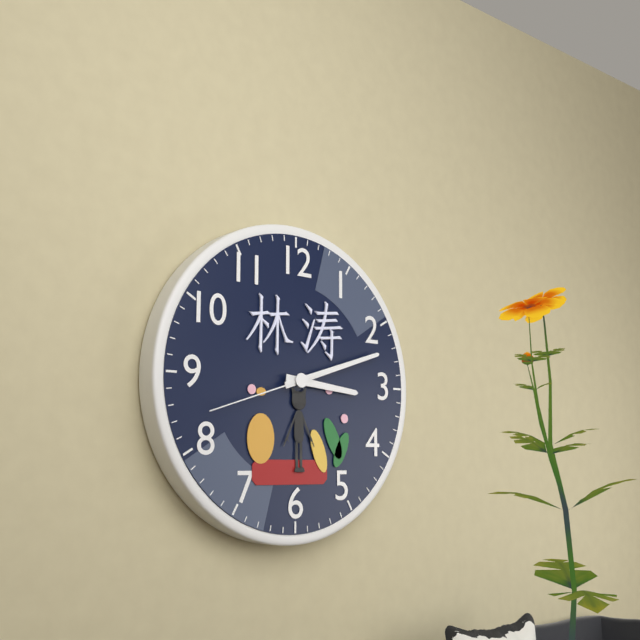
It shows 3h12m42s
